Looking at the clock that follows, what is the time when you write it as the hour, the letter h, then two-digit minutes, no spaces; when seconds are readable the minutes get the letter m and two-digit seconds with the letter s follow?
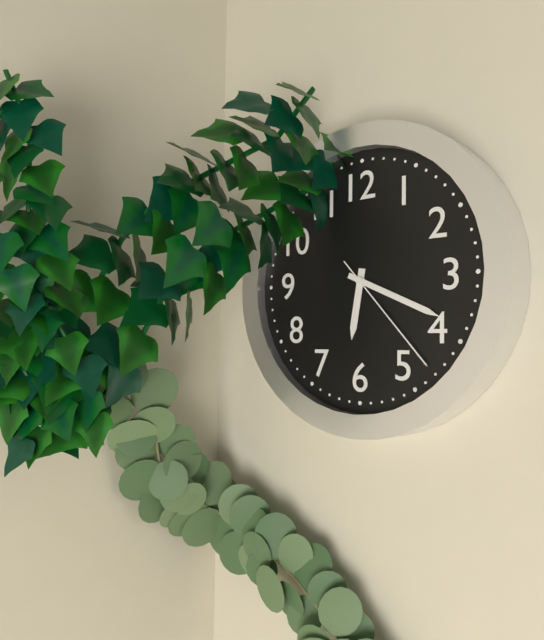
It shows 6h19m23s
